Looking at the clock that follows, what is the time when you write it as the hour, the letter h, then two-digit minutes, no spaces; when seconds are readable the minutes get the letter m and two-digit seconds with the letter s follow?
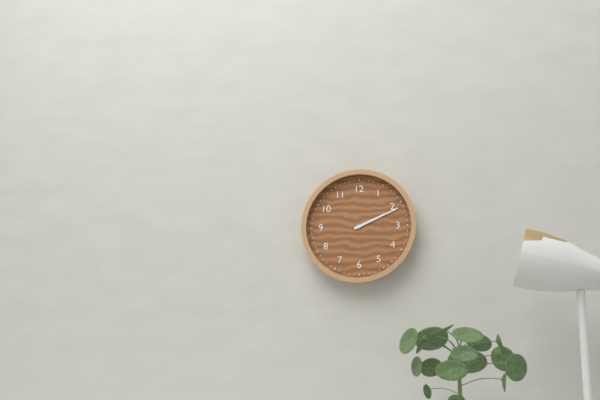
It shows 2h11
